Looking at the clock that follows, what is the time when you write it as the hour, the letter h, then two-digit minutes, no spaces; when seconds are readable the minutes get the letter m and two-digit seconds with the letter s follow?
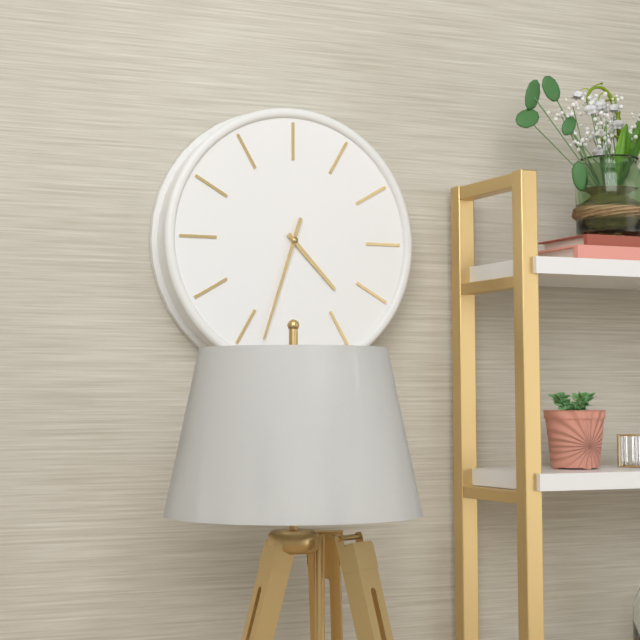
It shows 4h33
